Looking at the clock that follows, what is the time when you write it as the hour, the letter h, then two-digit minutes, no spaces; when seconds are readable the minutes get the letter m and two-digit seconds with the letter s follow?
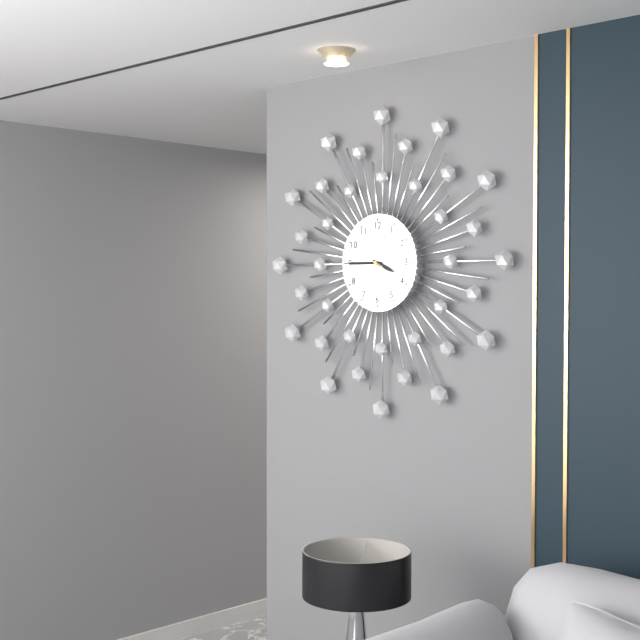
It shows 3h45
